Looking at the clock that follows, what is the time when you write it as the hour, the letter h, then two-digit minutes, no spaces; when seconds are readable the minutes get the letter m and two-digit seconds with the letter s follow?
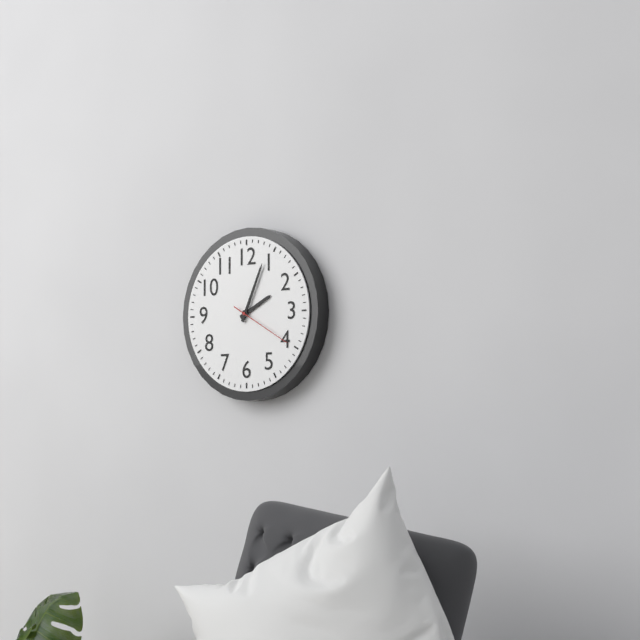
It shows 2h04m20s
